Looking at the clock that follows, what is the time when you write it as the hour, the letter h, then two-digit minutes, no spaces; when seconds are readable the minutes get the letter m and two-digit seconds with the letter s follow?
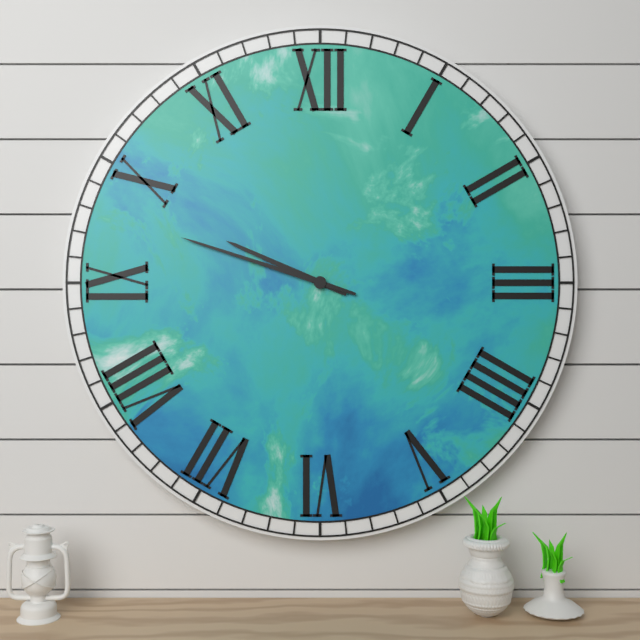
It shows 9h48
